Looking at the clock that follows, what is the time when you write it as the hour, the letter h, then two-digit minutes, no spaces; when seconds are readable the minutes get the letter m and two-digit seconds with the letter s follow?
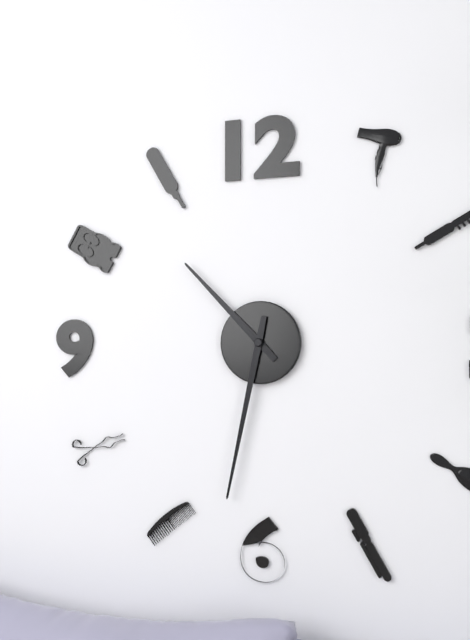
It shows 10h32
